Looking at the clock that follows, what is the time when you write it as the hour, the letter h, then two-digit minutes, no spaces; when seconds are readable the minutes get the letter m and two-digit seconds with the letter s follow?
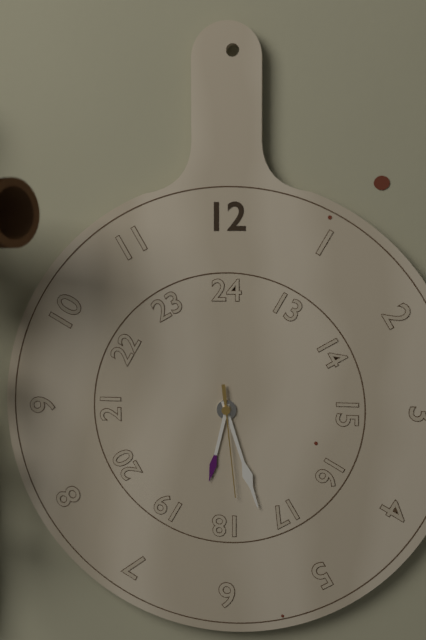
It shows 6h27m29s
